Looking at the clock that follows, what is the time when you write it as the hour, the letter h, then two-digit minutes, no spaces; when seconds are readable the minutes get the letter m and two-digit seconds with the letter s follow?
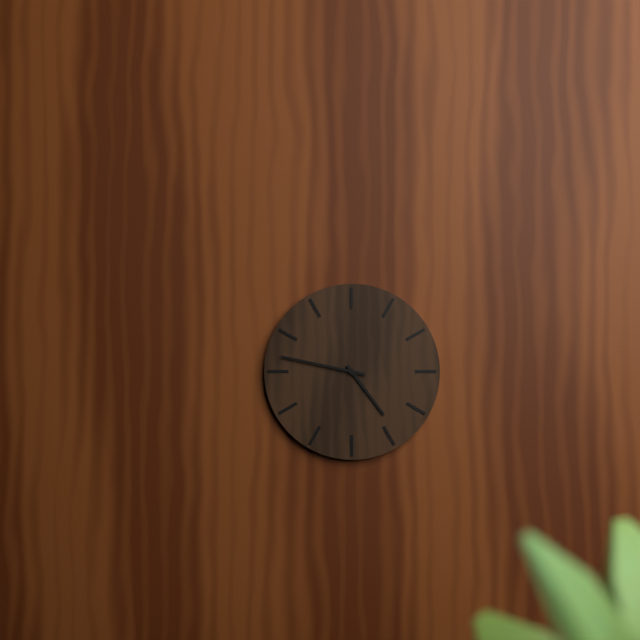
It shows 4h47
